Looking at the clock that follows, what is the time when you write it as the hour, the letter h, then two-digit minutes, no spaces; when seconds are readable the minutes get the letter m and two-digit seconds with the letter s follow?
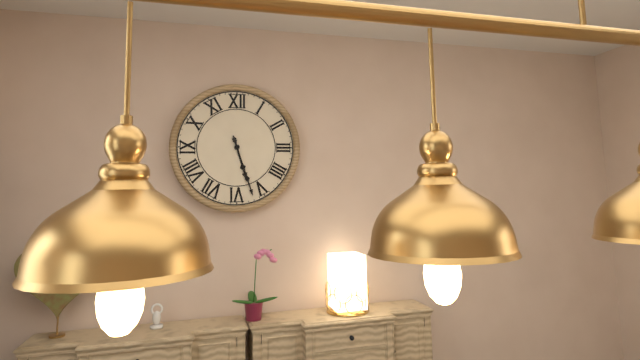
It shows 5h27
